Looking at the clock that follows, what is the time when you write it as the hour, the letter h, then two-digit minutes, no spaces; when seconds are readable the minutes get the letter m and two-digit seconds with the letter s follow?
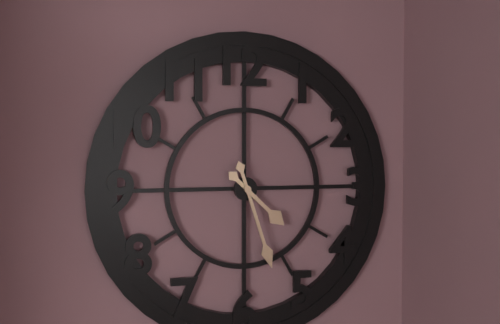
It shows 4h27
